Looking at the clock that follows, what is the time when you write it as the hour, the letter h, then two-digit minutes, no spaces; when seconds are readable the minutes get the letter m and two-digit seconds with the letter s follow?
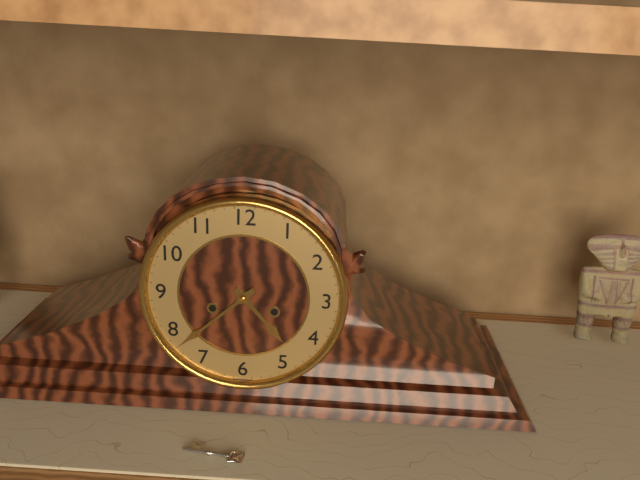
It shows 4h38
